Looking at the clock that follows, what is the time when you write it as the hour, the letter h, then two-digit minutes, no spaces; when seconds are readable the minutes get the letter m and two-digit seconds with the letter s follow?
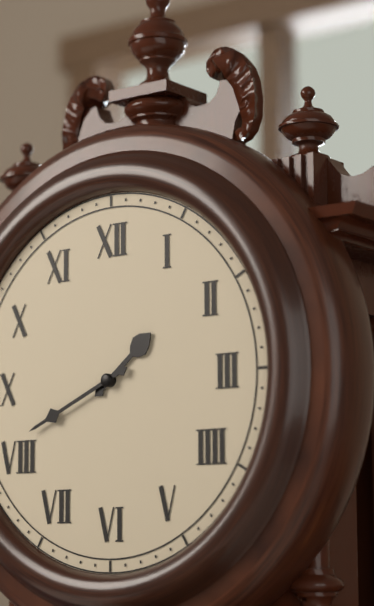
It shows 1h41
